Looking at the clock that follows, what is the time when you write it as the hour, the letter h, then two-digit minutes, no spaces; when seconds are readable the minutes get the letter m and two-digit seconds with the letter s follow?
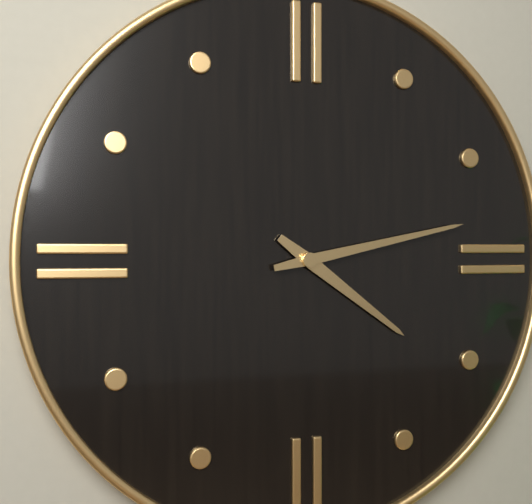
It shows 4h13
